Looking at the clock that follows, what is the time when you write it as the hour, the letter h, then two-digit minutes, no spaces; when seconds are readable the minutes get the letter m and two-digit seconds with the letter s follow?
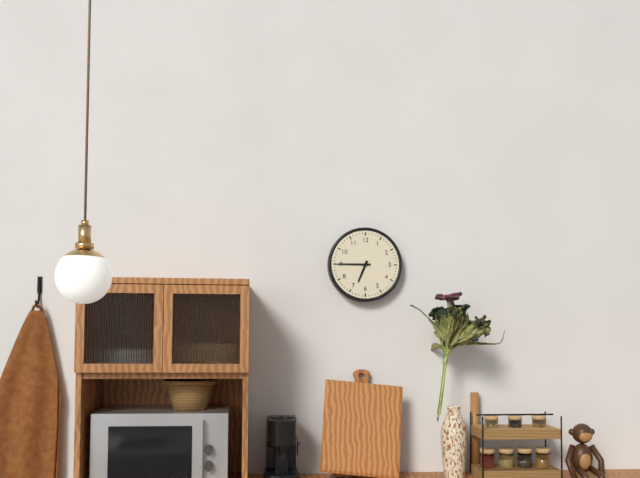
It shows 6h45
